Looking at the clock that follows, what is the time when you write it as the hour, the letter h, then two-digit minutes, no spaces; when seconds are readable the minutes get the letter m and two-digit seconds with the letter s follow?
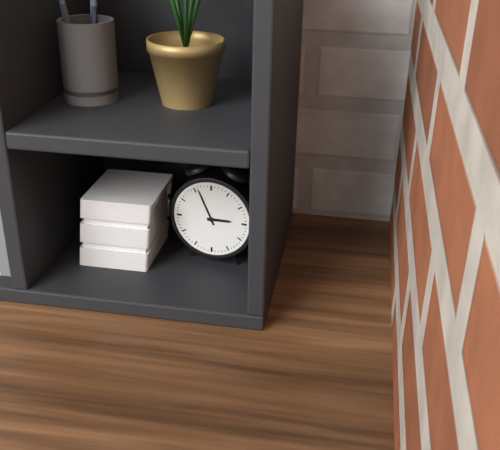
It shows 2h56
